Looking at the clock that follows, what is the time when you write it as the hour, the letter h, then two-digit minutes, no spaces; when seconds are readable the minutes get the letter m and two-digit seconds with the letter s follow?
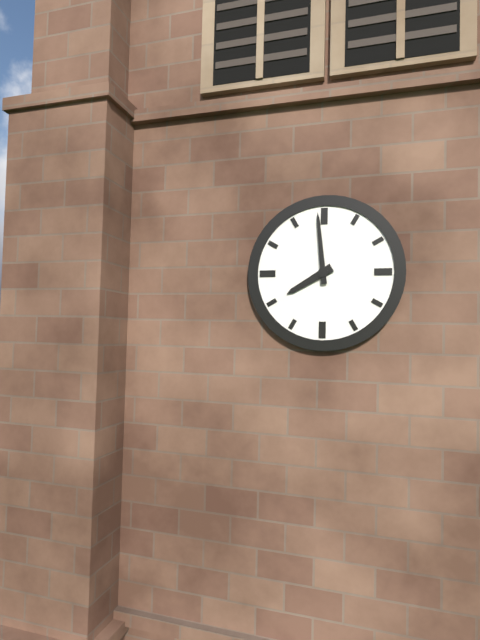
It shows 7h59
